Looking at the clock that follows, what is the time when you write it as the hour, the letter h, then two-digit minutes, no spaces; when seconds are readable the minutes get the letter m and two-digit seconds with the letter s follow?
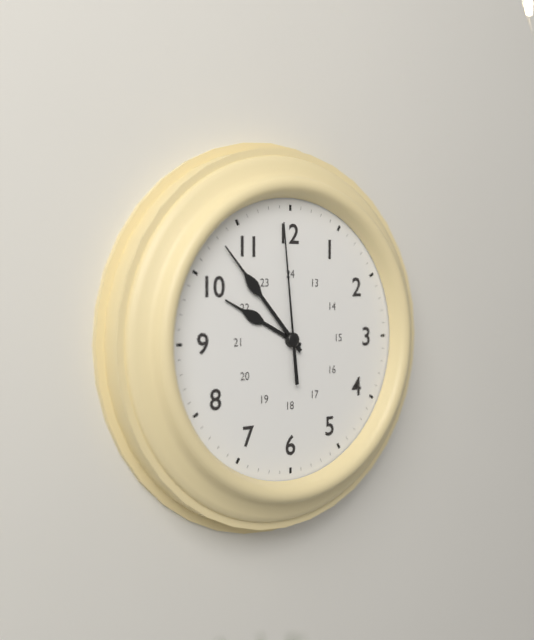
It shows 9h53m59s
